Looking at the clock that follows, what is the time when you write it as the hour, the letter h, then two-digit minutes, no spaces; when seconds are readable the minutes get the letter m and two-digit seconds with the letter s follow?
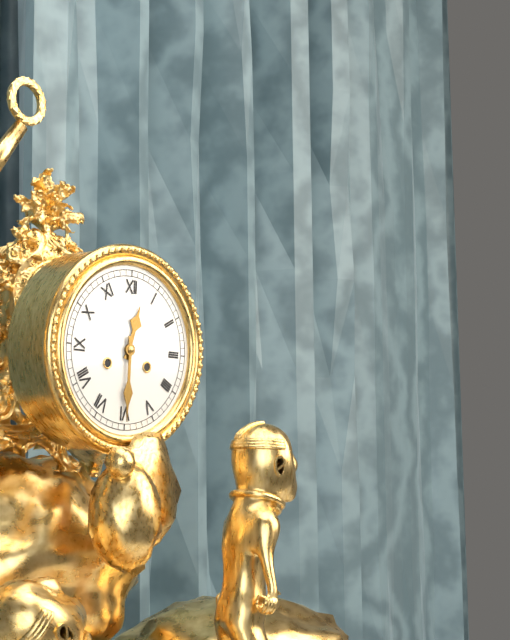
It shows 12h30
